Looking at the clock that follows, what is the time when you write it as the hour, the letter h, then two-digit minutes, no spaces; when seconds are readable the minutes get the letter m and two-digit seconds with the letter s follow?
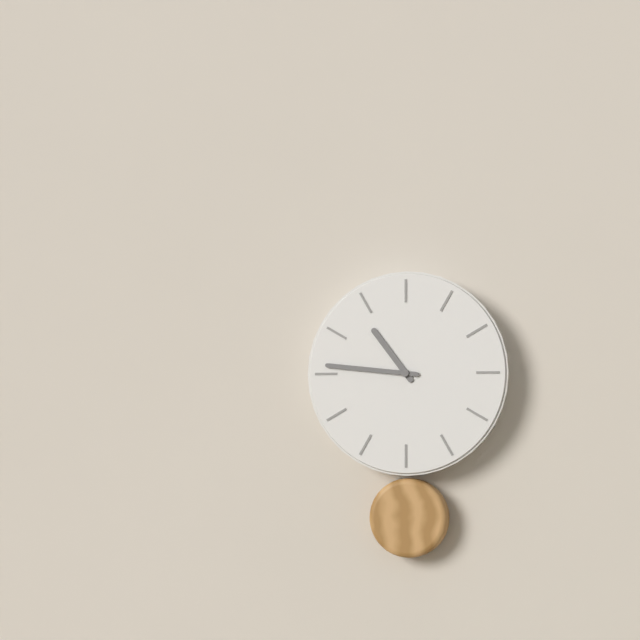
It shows 10h46
